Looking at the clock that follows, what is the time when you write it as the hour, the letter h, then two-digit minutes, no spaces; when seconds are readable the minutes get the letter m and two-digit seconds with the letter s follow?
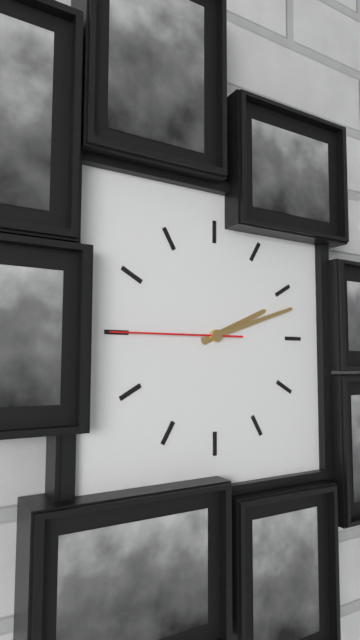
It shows 2h12m45s
